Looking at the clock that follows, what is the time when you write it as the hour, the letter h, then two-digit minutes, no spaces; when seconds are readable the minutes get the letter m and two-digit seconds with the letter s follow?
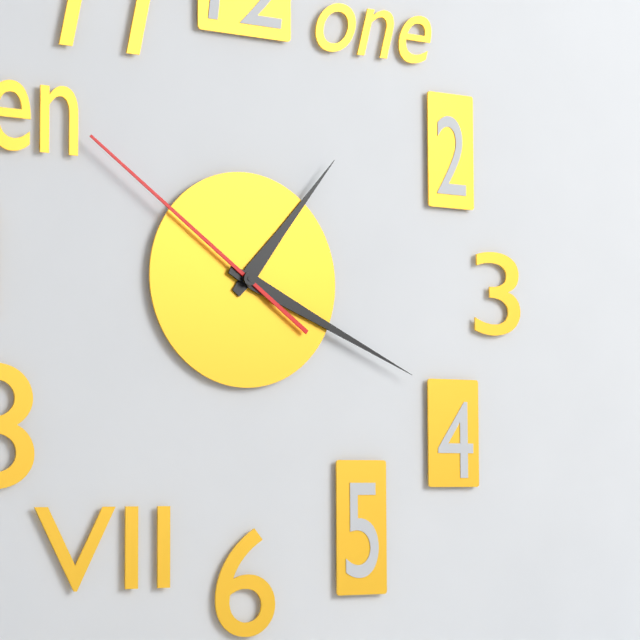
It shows 1h19m51s
